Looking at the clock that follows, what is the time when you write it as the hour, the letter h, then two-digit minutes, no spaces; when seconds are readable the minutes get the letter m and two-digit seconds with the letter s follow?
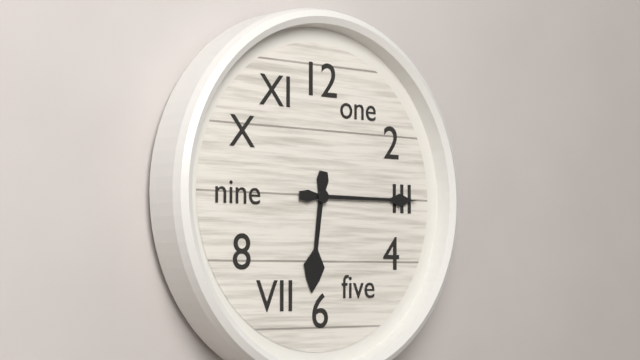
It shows 6h15
